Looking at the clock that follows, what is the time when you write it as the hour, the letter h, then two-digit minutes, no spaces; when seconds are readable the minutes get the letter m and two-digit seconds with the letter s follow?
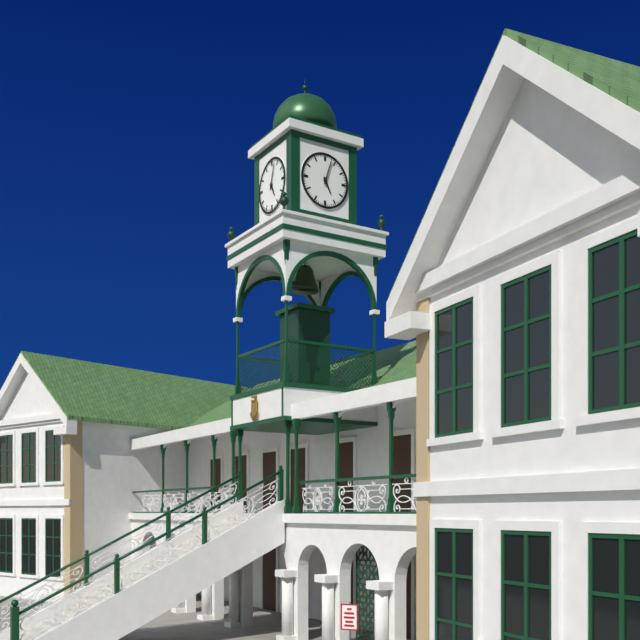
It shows 5h03
